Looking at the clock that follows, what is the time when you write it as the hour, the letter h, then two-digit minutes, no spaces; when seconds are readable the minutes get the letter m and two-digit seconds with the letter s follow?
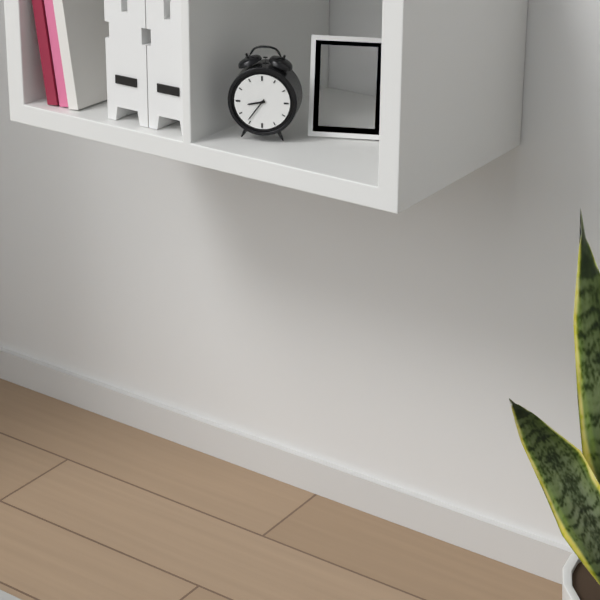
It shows 8h36
